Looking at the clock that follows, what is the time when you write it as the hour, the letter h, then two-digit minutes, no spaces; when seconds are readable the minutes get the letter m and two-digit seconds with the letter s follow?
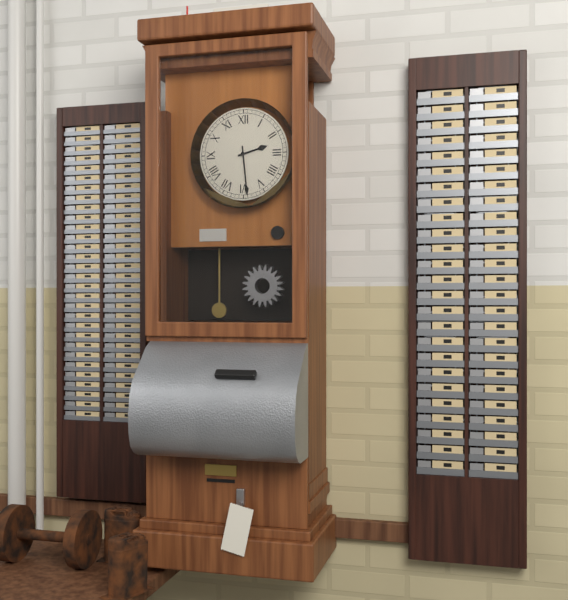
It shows 2h29
